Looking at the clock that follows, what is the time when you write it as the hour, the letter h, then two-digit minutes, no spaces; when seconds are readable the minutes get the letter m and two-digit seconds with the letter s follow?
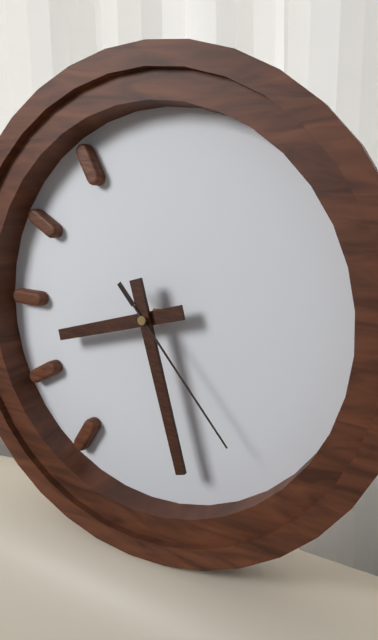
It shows 8h27m23s
